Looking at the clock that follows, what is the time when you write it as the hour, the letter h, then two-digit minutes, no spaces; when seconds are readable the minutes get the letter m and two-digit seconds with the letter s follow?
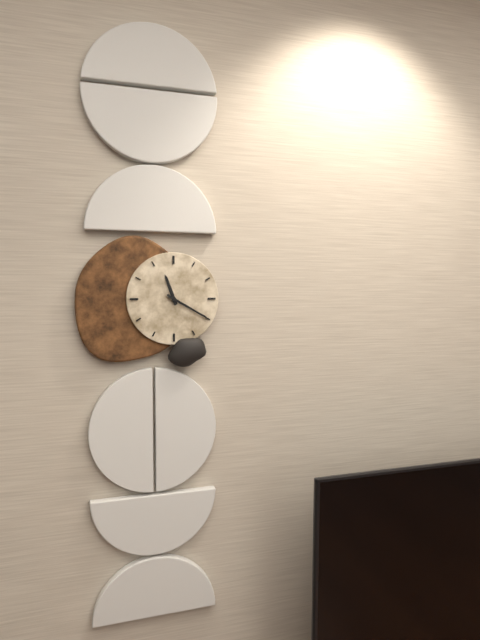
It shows 11h20
